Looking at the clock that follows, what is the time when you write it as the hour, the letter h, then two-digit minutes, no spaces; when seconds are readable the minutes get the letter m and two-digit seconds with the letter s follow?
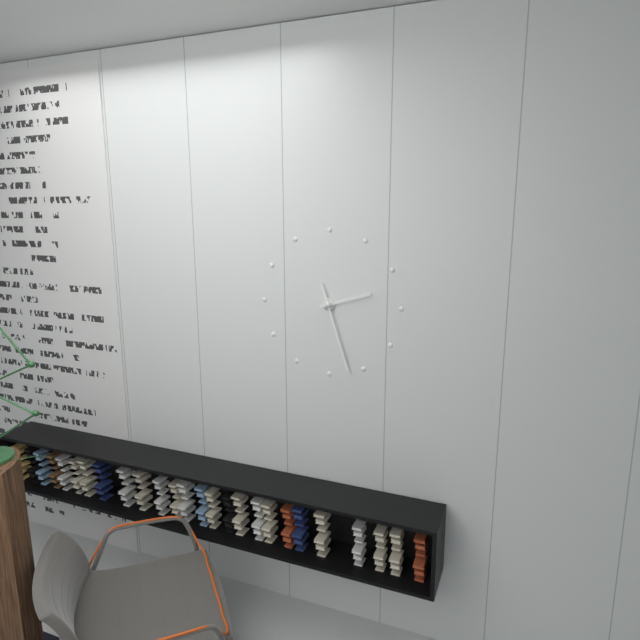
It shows 2h27
